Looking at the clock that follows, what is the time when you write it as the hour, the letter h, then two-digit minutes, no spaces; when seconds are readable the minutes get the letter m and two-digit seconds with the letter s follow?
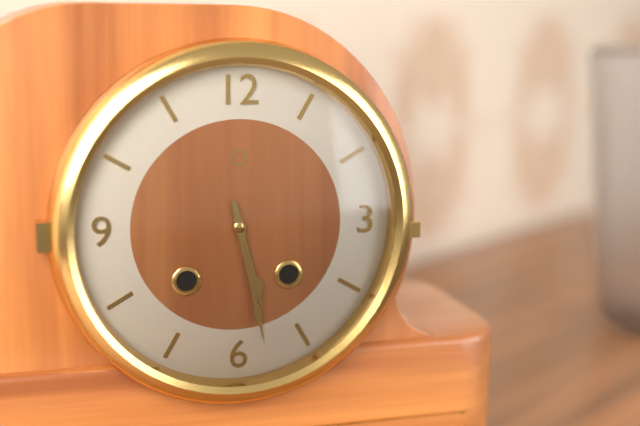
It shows 5h28
